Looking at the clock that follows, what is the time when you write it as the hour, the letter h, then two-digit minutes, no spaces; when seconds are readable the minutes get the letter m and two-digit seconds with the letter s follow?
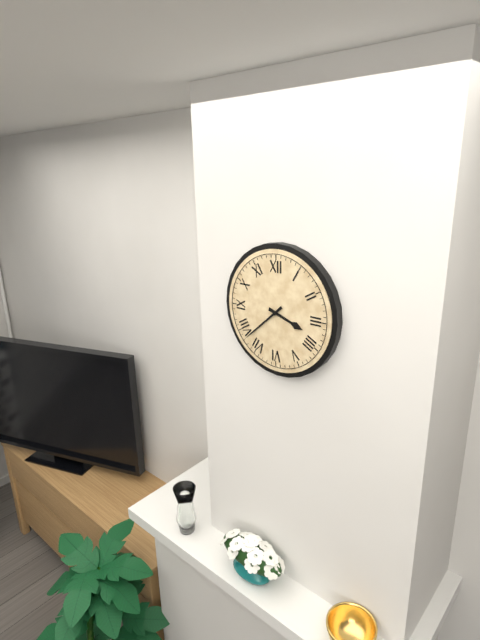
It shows 3h38
